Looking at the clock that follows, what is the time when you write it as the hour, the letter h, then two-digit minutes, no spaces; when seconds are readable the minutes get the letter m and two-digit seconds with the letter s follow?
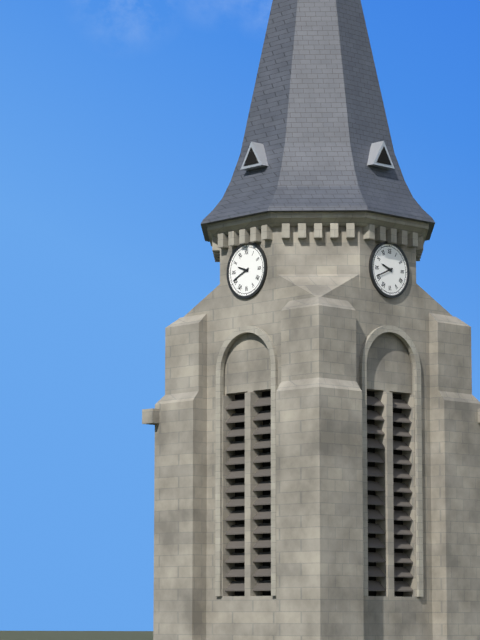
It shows 9h41
